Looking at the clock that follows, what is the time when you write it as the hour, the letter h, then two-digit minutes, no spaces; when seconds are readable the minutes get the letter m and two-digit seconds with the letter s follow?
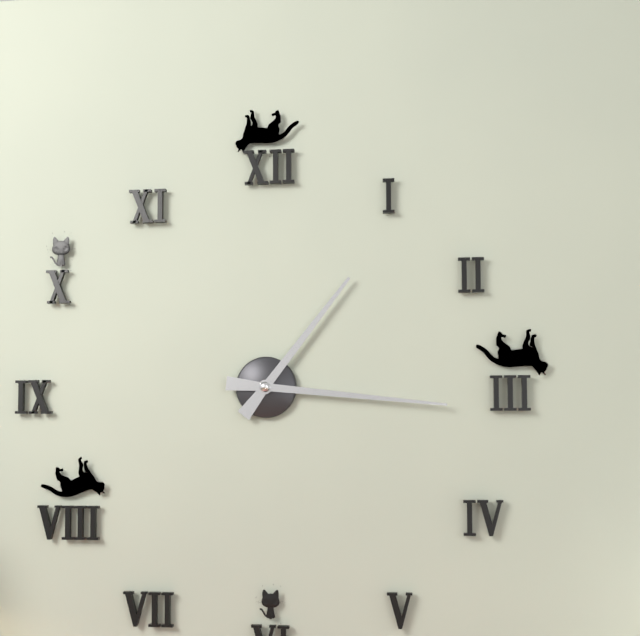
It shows 1h16
